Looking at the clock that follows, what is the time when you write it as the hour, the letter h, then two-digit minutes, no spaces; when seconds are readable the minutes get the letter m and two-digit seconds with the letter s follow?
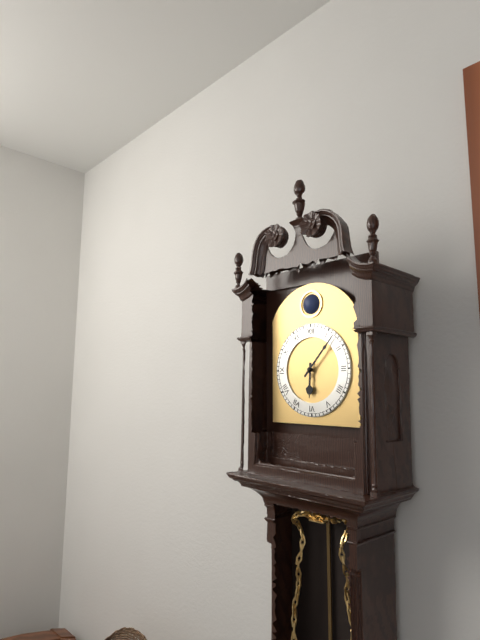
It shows 6h07
